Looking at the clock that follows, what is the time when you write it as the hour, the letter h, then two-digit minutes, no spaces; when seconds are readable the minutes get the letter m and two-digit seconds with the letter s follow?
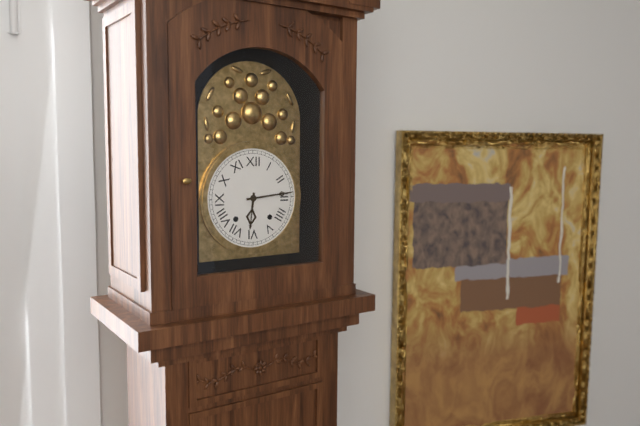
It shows 6h14
